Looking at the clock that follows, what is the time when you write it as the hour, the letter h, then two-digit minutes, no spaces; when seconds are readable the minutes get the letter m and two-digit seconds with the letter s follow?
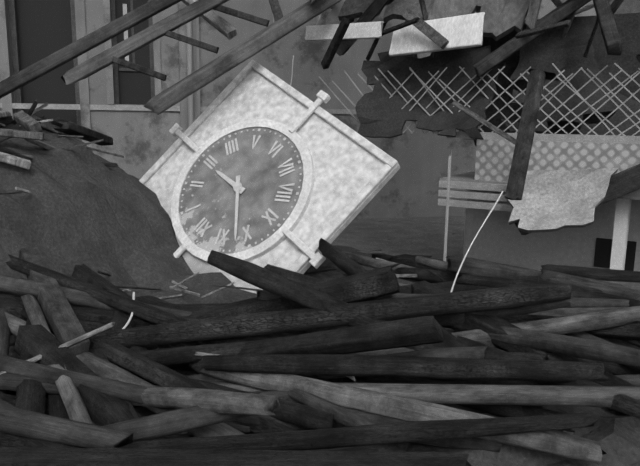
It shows 2h52
